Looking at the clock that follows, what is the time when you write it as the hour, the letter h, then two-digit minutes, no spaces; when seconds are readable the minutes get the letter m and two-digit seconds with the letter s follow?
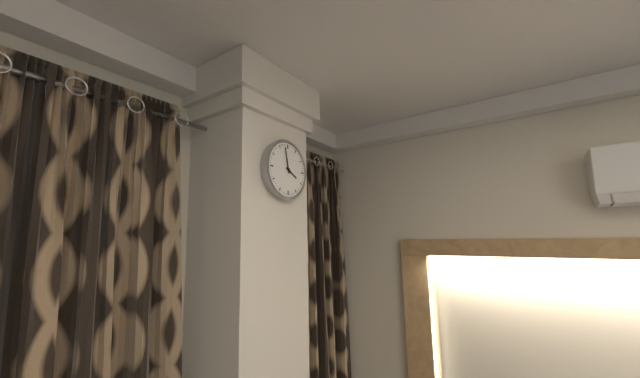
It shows 3h58
